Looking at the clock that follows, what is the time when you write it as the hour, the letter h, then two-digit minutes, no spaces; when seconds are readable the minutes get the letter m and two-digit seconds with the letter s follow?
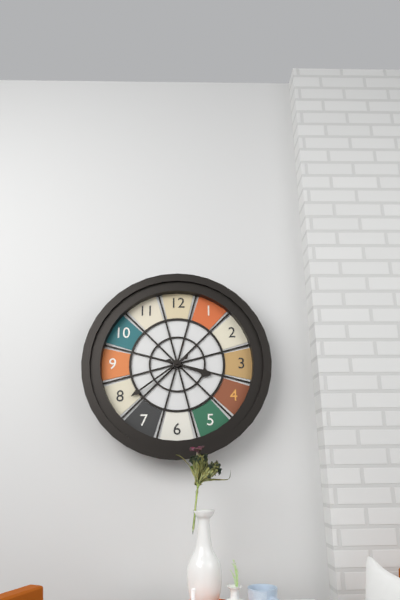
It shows 3h39
